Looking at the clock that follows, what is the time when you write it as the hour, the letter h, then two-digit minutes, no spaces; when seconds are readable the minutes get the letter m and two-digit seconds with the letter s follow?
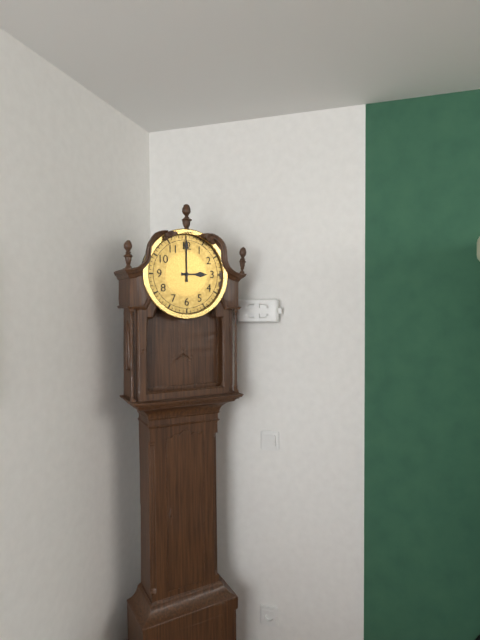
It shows 3h00
